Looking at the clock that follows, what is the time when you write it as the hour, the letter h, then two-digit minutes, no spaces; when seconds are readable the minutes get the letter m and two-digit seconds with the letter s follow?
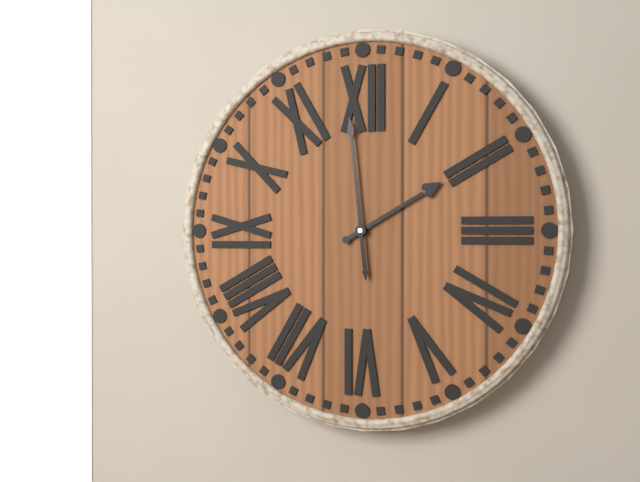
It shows 1h59
